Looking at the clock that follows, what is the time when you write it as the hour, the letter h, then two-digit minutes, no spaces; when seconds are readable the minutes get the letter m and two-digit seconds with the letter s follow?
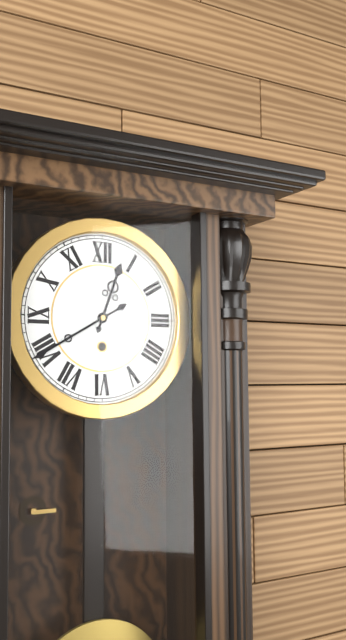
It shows 12h40
